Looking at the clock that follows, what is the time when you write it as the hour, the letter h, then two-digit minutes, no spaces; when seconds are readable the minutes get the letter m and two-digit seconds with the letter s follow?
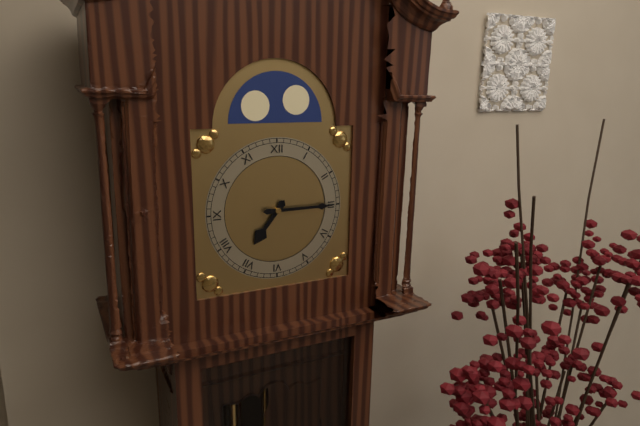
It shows 7h15
